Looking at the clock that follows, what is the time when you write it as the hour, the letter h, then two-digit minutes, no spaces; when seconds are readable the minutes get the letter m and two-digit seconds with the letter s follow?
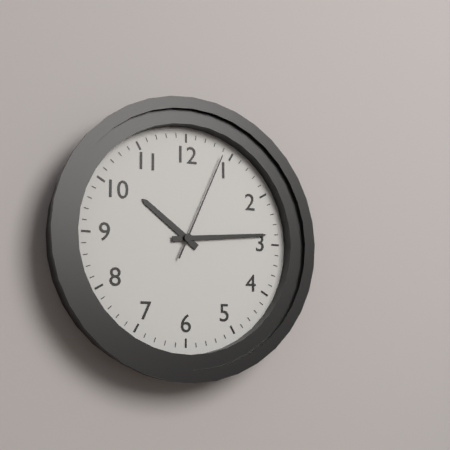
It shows 10h14m04s
